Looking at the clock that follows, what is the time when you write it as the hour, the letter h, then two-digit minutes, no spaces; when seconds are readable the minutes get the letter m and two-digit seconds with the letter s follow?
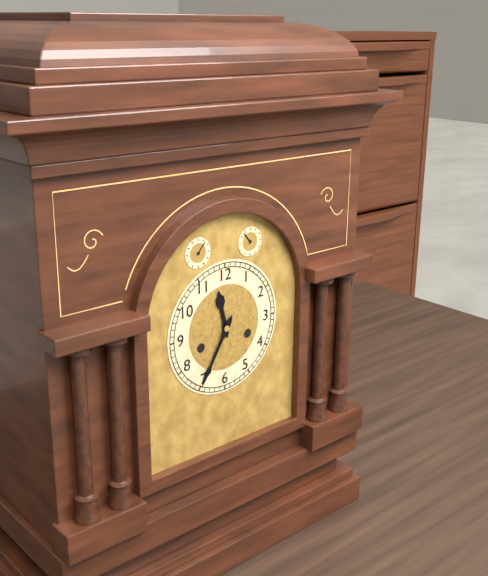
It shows 11h35
